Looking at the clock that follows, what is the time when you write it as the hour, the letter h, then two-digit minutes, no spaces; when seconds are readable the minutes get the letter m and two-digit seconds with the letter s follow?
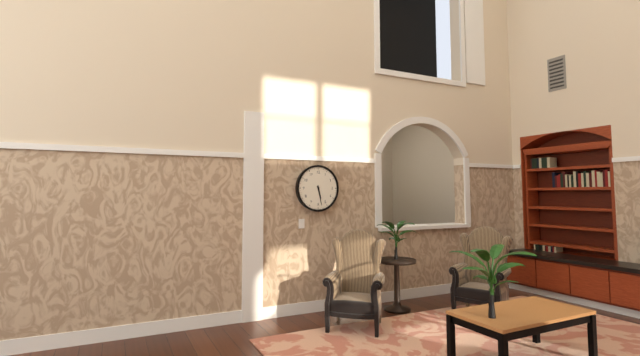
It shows 5h28
